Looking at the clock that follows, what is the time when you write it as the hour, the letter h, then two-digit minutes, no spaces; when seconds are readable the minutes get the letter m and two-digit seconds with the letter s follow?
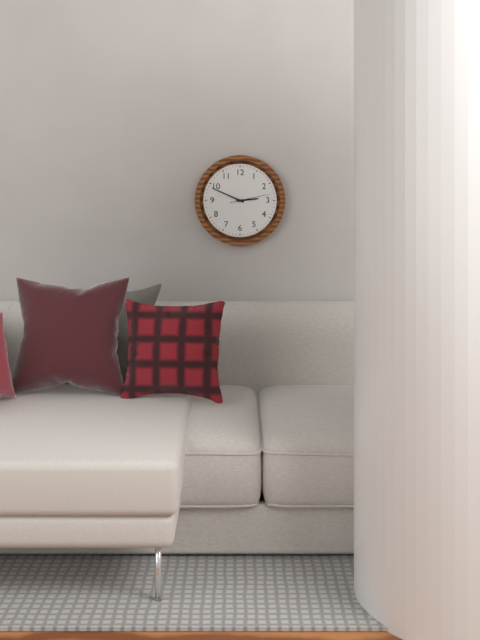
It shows 2h49
